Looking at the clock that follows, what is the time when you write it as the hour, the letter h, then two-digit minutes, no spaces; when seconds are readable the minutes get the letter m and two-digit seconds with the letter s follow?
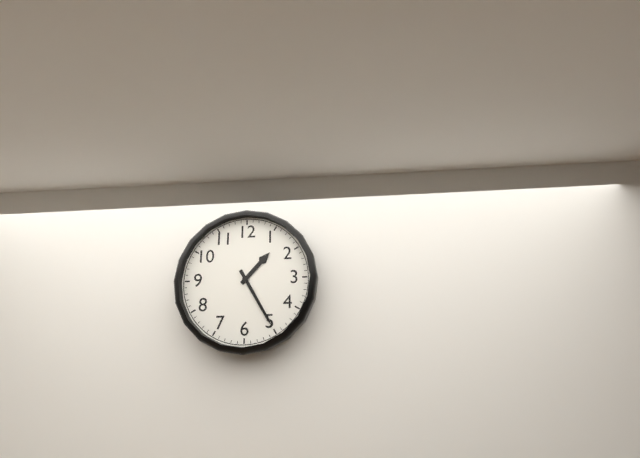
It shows 1h25
